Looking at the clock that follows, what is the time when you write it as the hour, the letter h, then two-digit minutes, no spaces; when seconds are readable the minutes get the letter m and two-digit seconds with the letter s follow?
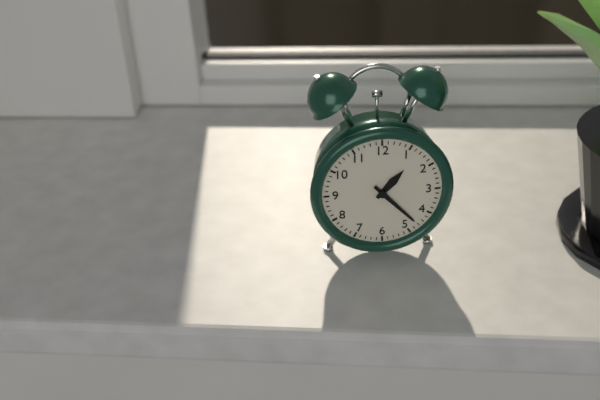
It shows 1h23
